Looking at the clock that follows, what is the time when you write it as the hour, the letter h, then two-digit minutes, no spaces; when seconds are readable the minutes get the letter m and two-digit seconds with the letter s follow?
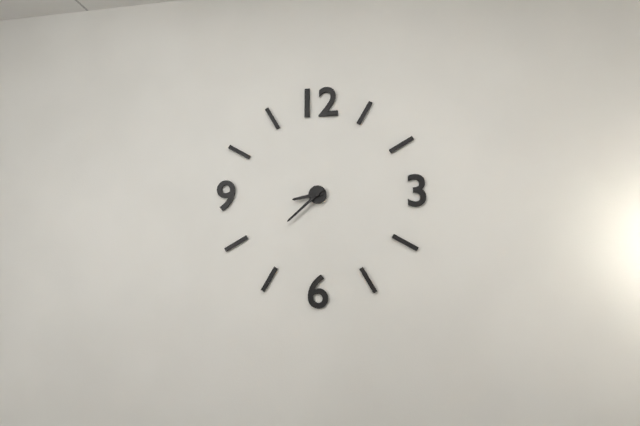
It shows 8h38
